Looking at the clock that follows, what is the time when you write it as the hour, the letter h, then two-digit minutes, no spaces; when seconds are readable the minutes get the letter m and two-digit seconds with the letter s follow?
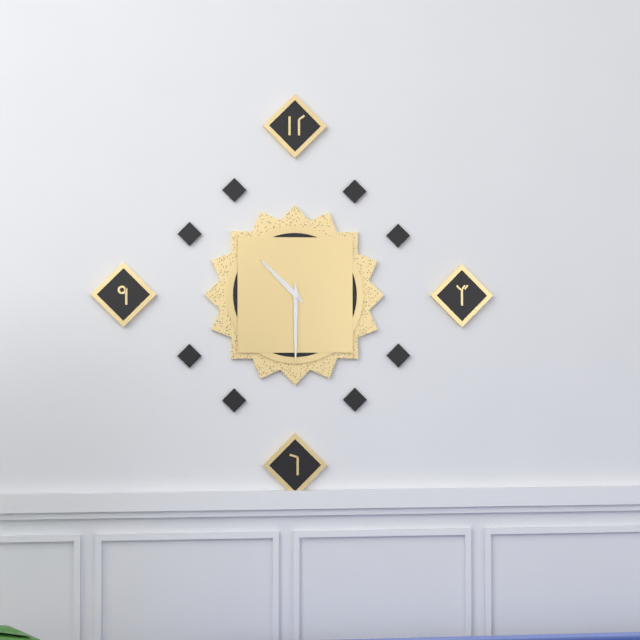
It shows 10h30
